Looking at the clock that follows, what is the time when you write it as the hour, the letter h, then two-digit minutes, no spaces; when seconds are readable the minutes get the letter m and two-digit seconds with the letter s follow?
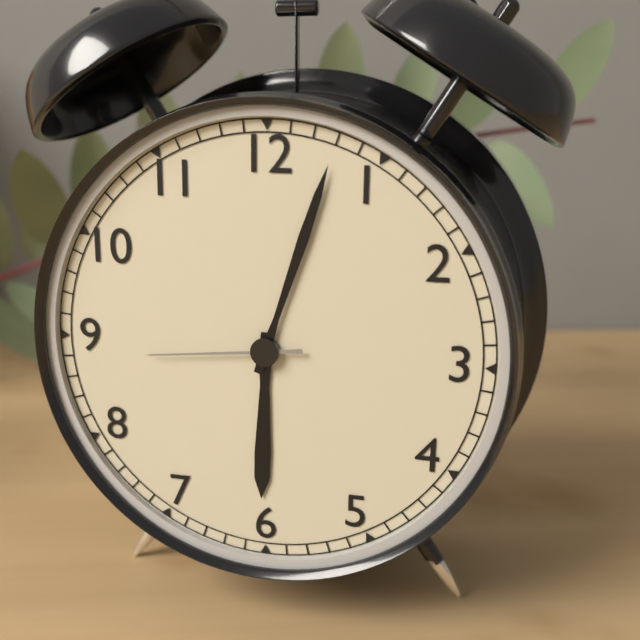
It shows 6h03m44s
